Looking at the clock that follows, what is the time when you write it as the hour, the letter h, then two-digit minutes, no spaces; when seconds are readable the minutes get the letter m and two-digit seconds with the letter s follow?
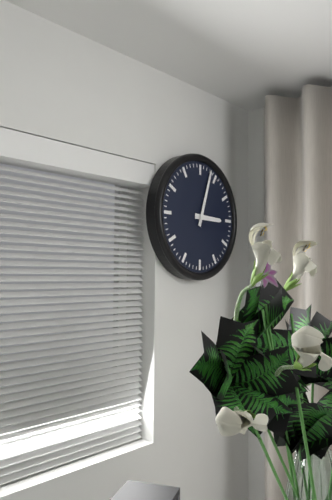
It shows 3h03
